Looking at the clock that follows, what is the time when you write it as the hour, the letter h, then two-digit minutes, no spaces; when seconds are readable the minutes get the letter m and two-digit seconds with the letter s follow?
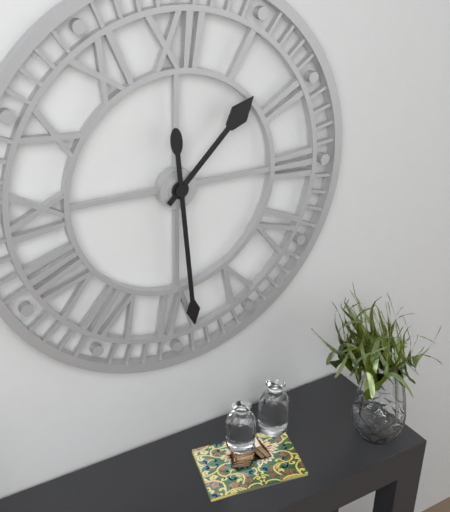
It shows 1h29
